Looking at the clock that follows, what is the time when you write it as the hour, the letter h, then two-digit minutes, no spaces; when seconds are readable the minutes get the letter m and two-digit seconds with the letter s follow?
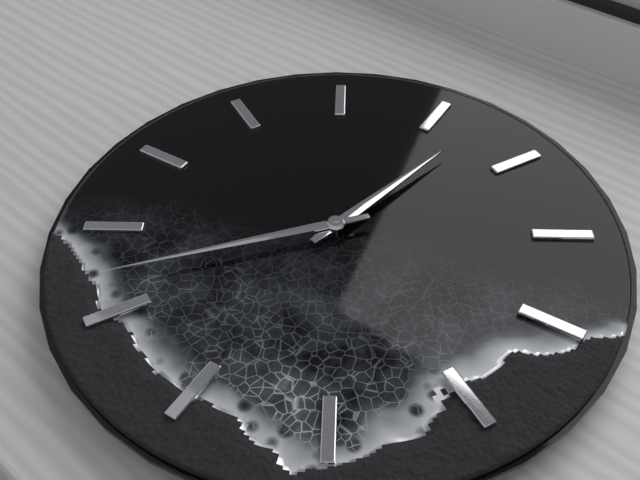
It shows 10h27
